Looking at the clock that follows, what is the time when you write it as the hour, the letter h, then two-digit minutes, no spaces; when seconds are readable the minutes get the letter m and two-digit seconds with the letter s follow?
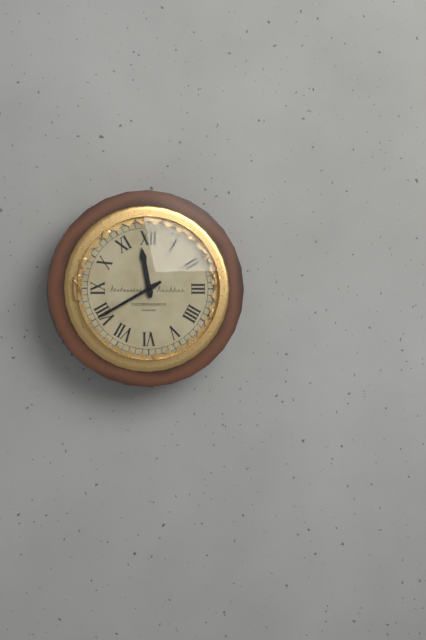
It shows 11h40
